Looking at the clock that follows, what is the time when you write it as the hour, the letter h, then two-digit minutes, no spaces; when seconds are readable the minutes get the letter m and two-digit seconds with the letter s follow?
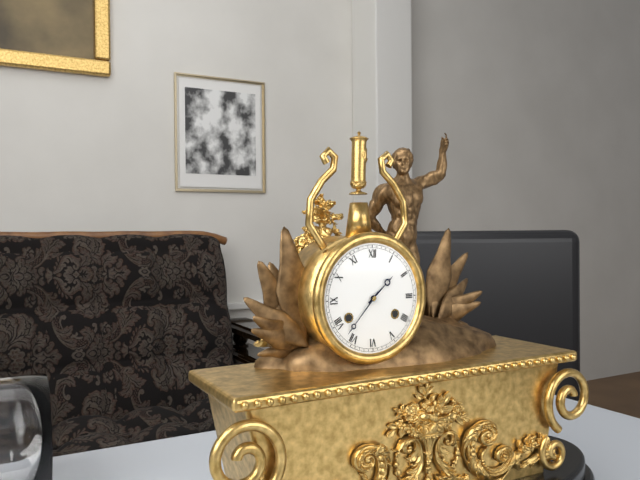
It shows 1h37
